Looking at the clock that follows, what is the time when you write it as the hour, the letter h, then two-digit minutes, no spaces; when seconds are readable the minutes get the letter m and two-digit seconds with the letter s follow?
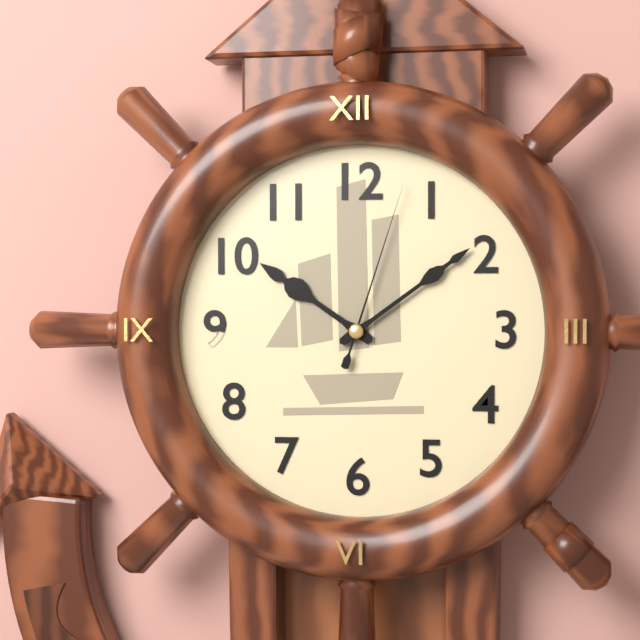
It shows 10h09m03s
